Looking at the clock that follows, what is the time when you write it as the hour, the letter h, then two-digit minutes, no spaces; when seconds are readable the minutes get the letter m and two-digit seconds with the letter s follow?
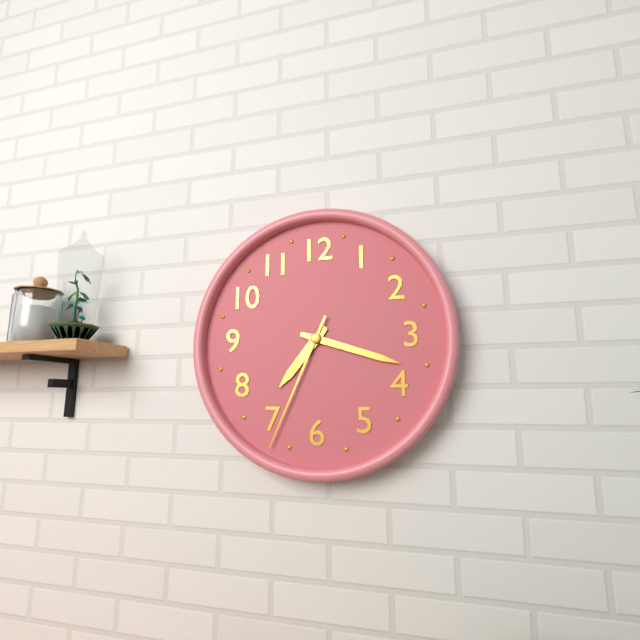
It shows 7h18m34s
